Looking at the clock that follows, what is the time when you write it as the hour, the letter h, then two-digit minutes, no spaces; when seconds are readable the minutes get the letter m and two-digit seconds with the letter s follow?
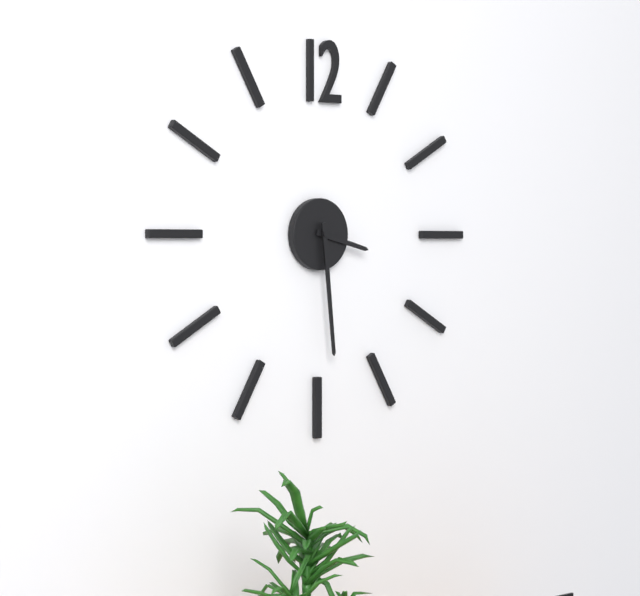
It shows 3h29
